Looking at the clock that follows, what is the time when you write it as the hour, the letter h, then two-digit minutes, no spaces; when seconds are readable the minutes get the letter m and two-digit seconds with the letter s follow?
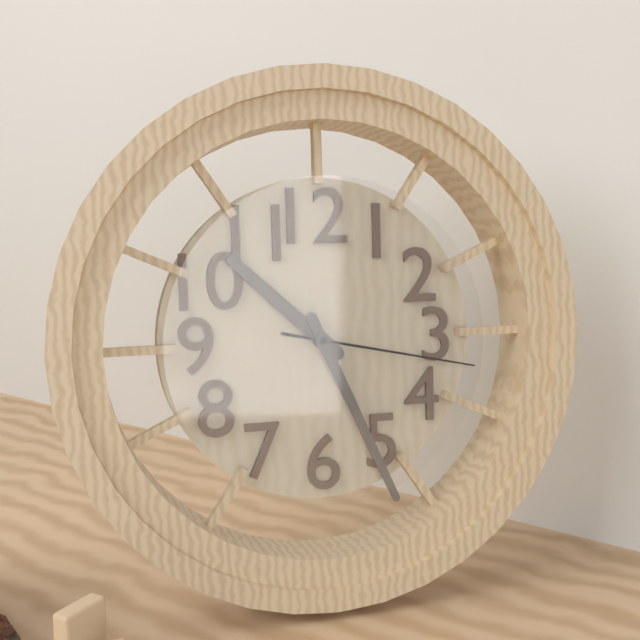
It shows 10h26m17s
